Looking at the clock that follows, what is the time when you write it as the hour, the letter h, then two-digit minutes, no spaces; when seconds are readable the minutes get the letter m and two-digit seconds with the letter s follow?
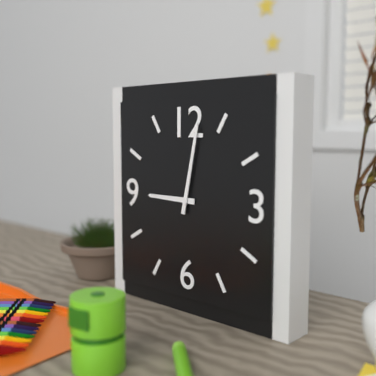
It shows 9h02
